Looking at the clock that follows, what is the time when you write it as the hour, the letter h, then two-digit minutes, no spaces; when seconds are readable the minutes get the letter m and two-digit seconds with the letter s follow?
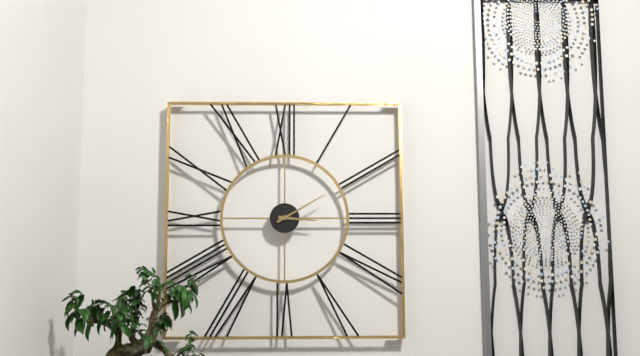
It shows 3h10
